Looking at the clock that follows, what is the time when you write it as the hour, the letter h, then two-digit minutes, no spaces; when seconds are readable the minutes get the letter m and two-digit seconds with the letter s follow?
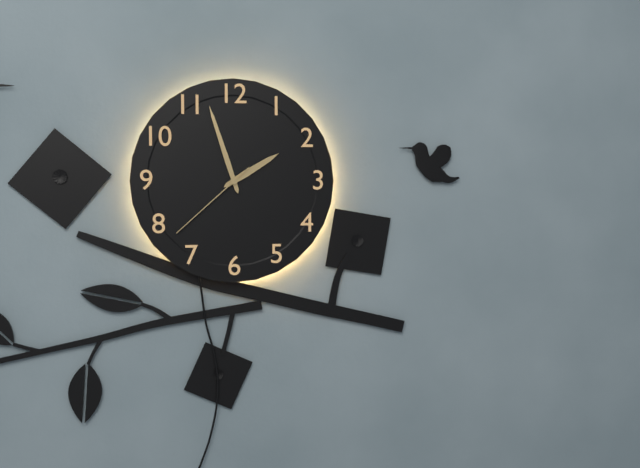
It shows 1h57m38s
